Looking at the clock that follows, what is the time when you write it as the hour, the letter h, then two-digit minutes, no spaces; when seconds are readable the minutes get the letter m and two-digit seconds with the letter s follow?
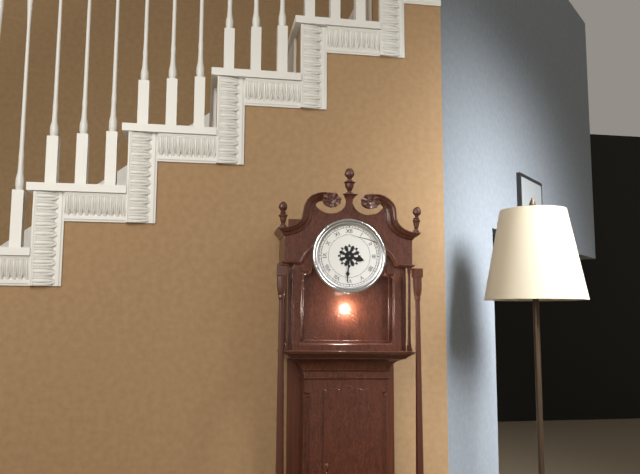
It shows 3h31
